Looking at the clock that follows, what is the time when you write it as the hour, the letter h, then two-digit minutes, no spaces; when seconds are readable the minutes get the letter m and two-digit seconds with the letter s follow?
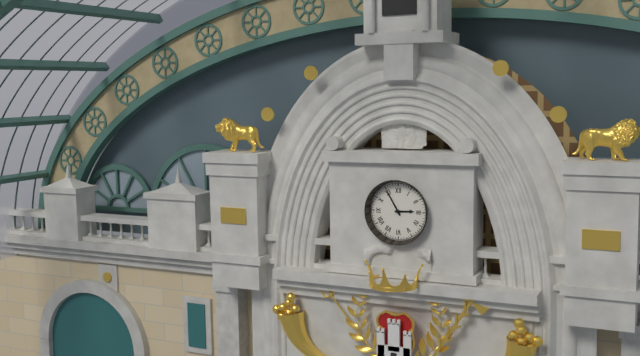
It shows 2h55
